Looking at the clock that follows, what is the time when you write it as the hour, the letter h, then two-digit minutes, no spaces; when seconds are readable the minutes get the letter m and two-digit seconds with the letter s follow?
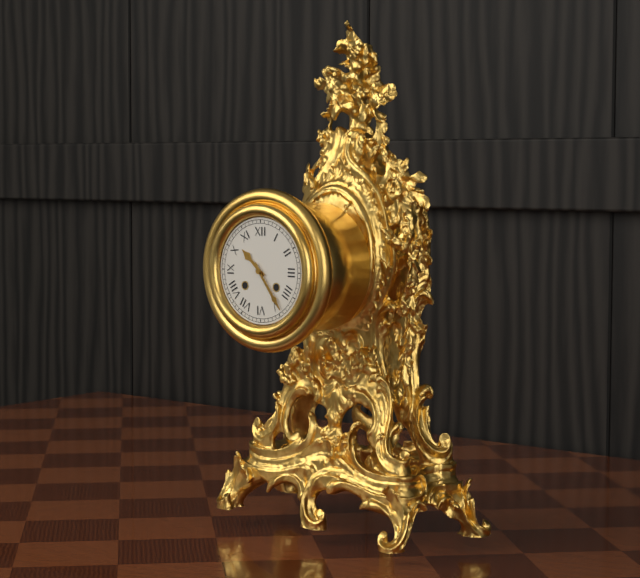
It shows 10h24
